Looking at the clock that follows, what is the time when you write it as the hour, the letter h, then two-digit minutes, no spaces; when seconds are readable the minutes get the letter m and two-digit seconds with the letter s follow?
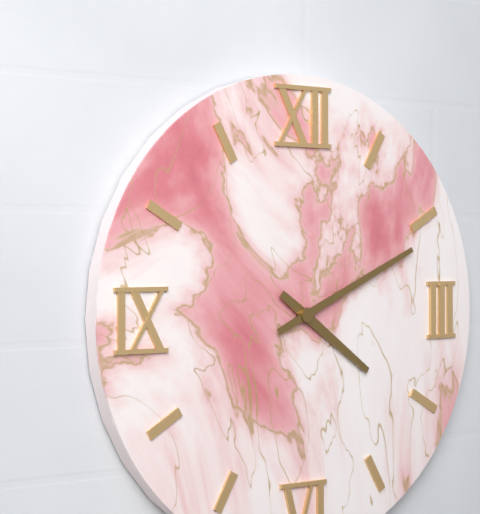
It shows 4h11
